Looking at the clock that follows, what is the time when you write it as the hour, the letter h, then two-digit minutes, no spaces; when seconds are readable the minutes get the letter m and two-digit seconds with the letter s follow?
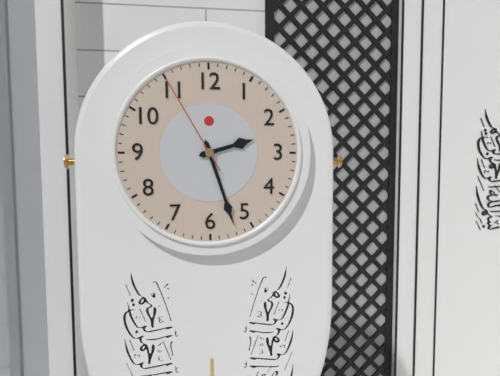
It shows 2h27m55s
